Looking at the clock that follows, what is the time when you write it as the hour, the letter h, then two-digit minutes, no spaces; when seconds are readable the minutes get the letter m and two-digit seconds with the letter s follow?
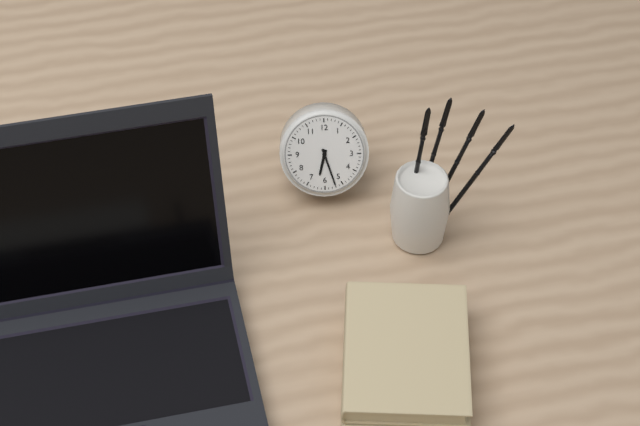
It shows 6h27
